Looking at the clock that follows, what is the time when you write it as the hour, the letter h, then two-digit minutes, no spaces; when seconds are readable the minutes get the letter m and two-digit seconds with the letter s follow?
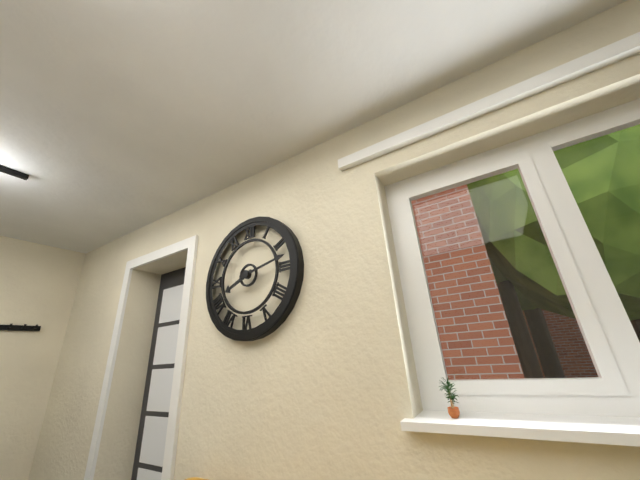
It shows 8h13
